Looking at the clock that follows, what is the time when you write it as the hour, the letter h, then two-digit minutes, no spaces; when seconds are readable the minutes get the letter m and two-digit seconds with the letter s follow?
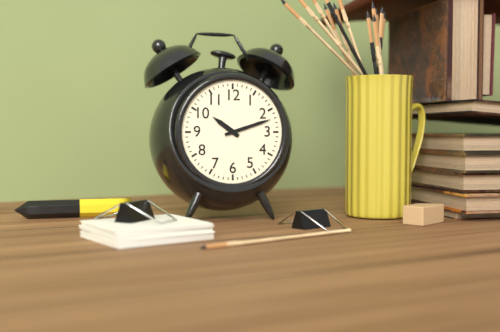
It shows 10h12
